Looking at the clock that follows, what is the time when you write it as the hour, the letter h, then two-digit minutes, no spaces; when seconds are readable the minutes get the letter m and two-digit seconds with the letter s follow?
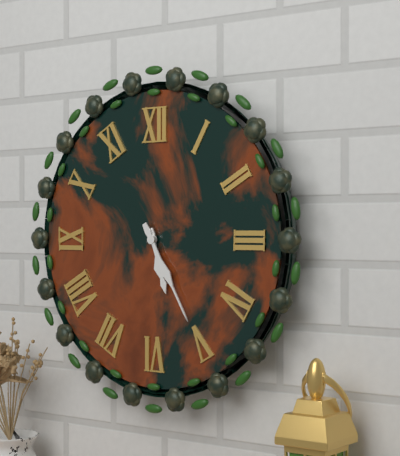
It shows 5h25
